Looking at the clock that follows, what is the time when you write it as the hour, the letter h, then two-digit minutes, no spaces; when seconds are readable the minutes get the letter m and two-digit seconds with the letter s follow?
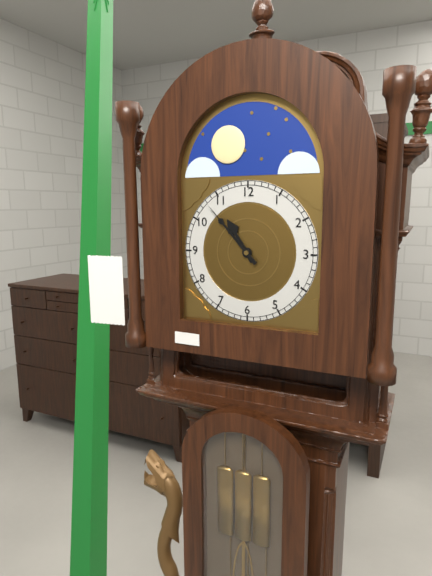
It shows 10h53
